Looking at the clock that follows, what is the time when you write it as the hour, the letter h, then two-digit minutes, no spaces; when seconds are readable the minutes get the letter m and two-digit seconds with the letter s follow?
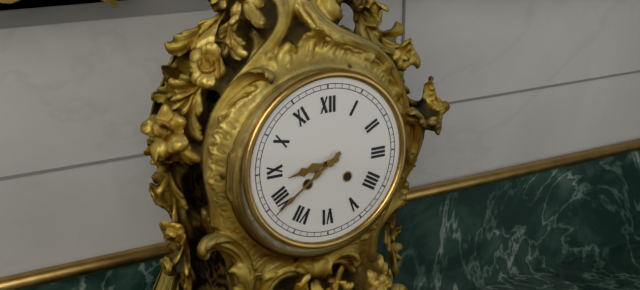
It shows 8h39
